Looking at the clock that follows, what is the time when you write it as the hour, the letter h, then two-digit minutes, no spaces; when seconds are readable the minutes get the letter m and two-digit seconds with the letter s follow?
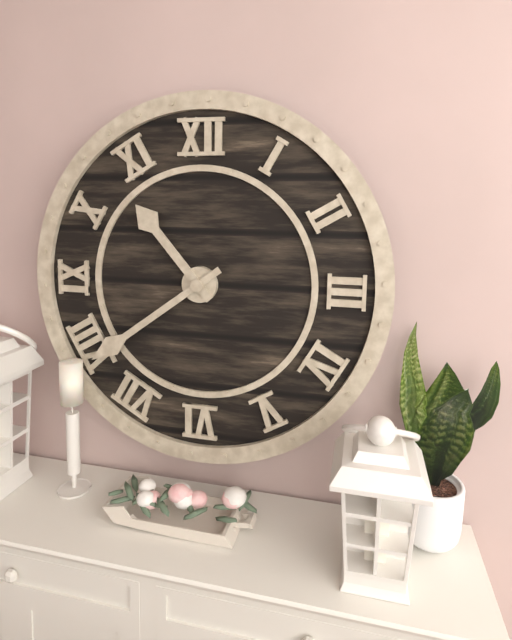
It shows 10h39
